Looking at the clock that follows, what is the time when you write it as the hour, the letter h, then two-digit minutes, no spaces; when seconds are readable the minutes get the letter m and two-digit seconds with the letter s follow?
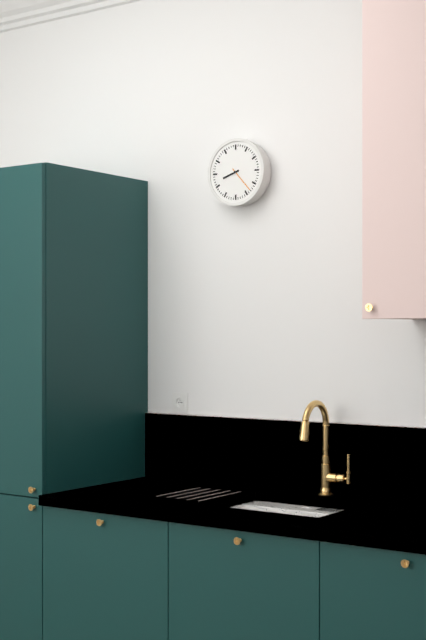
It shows 8h23
